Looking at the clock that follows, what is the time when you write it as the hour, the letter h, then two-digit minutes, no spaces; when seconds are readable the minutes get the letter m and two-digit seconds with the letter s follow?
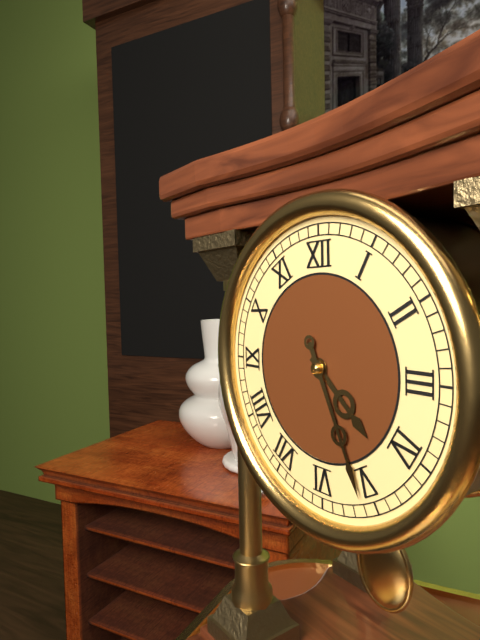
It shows 4h26
